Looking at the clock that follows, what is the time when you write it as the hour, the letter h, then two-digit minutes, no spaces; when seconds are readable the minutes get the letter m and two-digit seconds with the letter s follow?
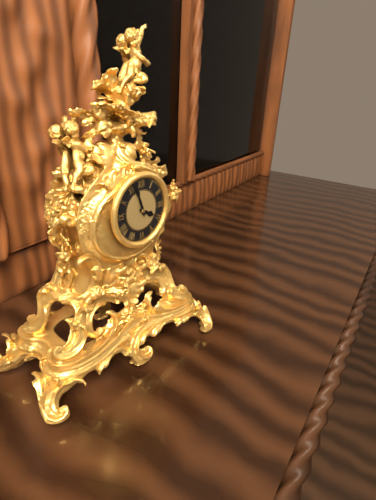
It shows 3h57
